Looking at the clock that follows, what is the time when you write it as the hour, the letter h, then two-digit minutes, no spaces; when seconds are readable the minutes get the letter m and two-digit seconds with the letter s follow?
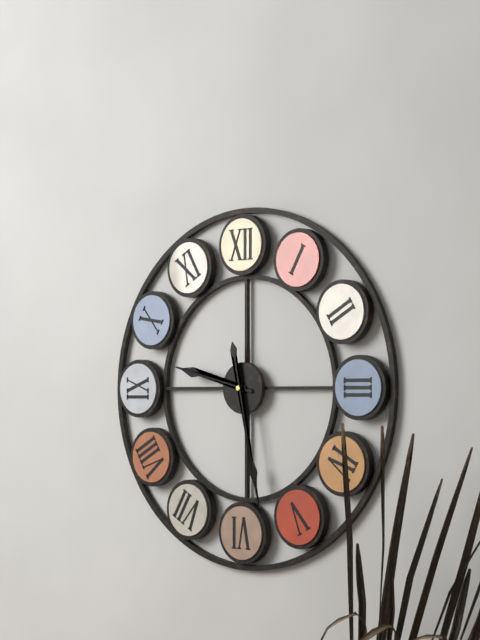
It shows 9h28
